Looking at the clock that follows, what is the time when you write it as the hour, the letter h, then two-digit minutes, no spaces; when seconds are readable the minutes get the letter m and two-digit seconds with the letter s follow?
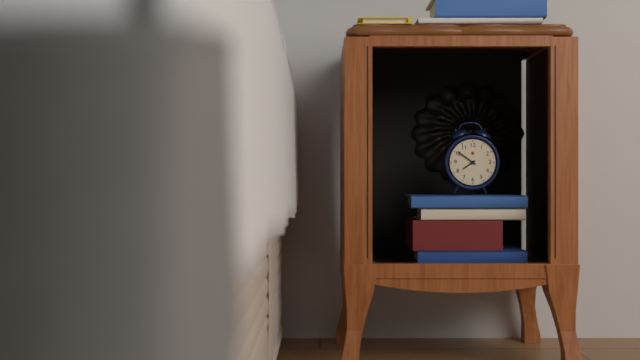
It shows 7h51
